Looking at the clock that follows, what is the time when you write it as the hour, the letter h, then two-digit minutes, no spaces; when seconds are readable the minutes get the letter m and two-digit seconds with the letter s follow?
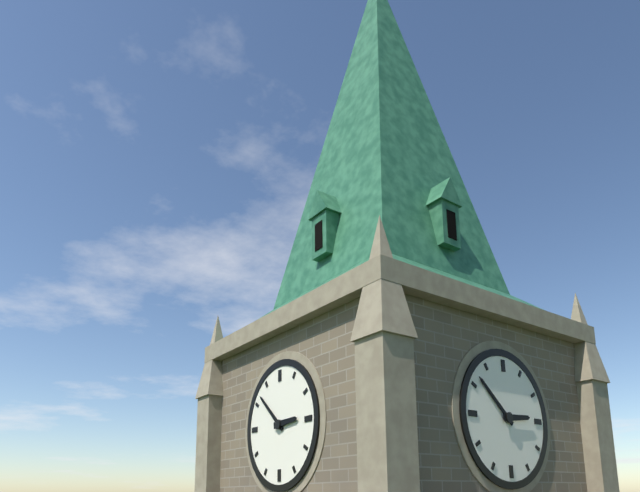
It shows 2h52
